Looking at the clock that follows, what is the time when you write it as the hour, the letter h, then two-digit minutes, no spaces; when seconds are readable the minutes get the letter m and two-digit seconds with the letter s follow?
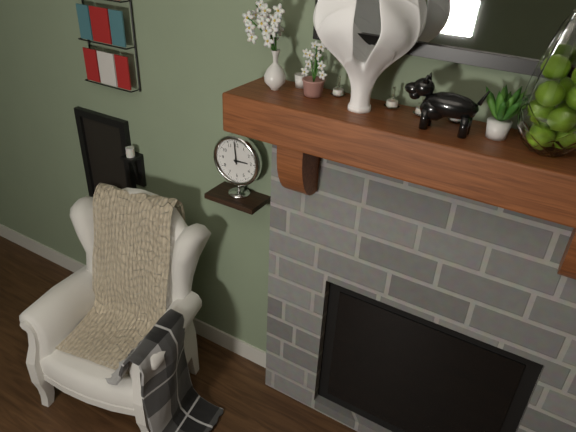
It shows 2h59
